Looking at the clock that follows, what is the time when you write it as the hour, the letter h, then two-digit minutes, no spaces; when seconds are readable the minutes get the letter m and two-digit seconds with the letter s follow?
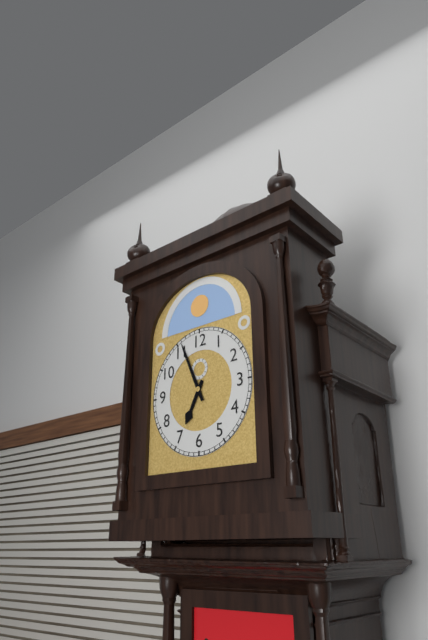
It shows 6h56
